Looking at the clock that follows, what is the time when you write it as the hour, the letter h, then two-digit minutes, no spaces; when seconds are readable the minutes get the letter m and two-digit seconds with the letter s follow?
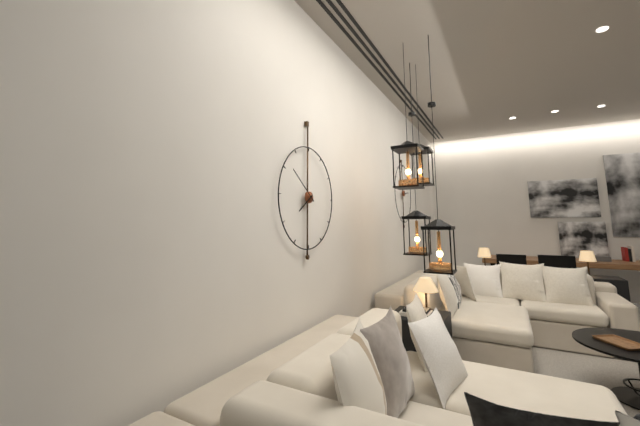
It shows 7h51
